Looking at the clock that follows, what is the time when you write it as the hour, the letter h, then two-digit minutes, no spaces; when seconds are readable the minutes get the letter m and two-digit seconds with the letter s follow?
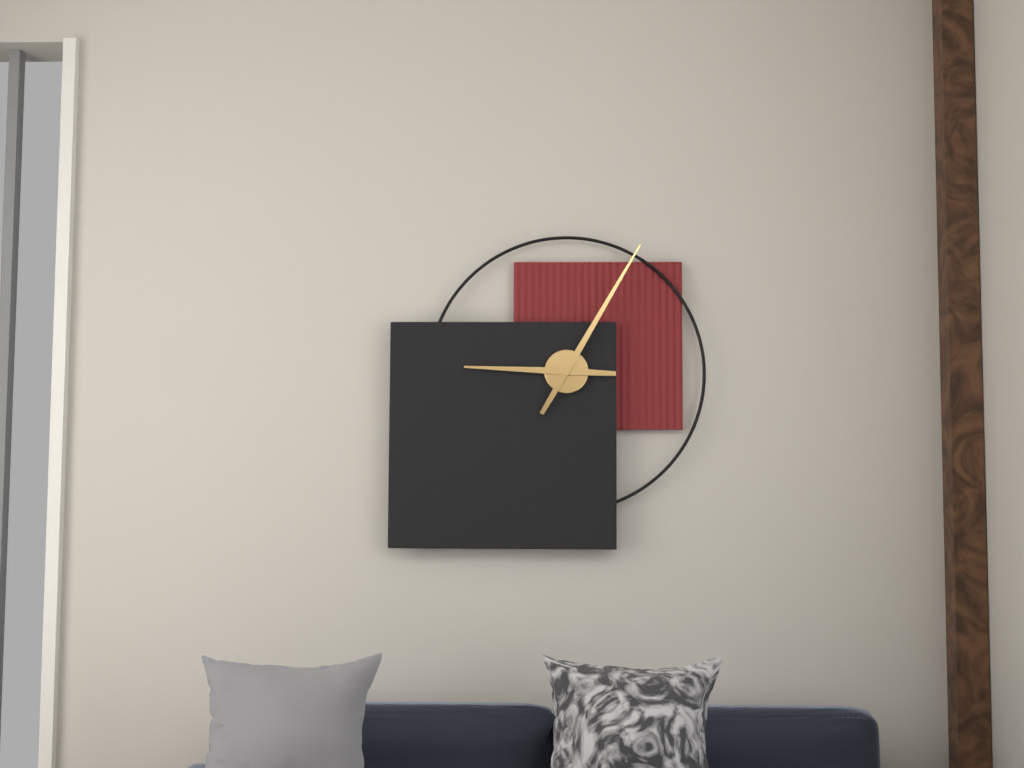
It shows 9h05
